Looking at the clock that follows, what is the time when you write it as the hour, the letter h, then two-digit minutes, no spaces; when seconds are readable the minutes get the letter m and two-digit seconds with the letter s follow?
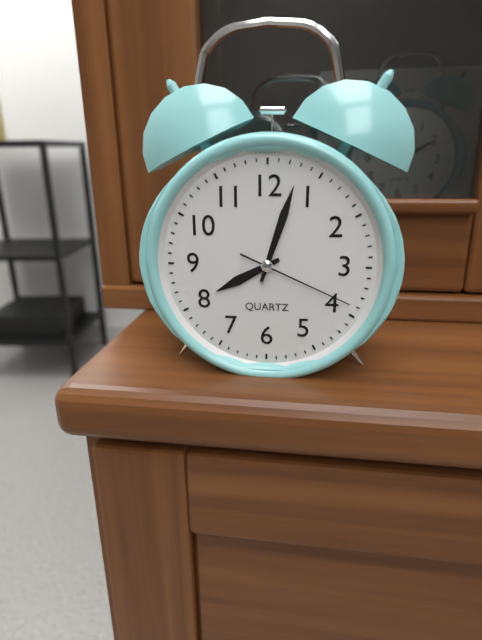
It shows 8h03m19s
